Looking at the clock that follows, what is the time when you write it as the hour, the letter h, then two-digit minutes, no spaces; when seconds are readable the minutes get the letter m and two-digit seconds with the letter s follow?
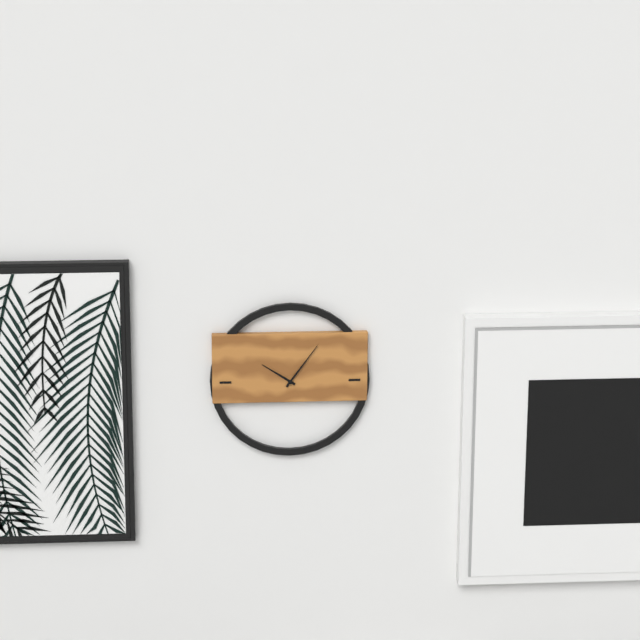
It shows 10h06
